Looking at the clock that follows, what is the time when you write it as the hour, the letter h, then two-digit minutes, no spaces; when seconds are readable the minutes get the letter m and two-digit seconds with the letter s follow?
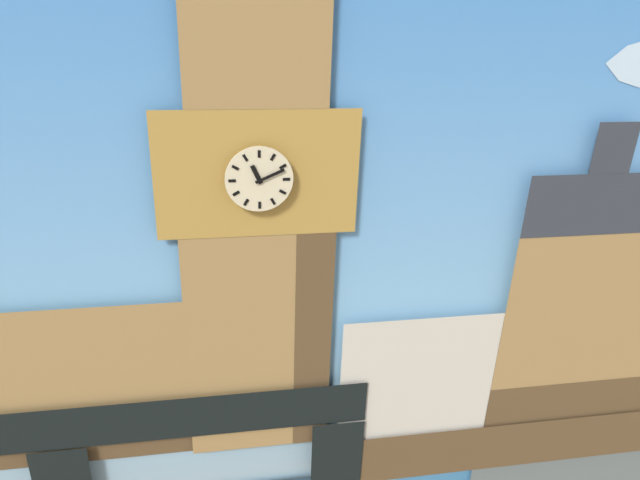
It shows 11h11
